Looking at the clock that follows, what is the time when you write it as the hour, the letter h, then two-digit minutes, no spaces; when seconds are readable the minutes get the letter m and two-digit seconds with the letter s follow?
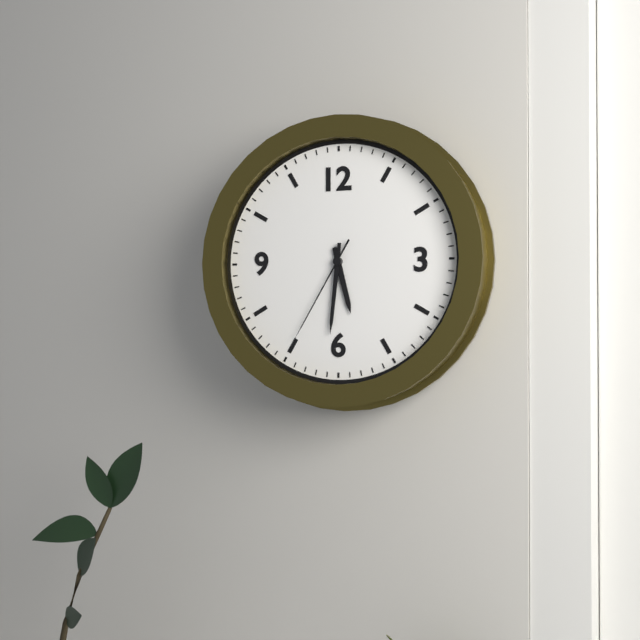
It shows 5h31m35s
